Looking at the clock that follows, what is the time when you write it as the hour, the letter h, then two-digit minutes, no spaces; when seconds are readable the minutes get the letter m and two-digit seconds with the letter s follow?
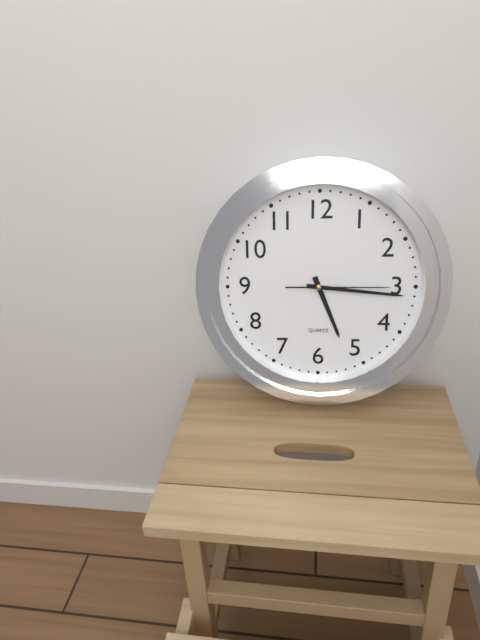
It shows 5h16m15s
